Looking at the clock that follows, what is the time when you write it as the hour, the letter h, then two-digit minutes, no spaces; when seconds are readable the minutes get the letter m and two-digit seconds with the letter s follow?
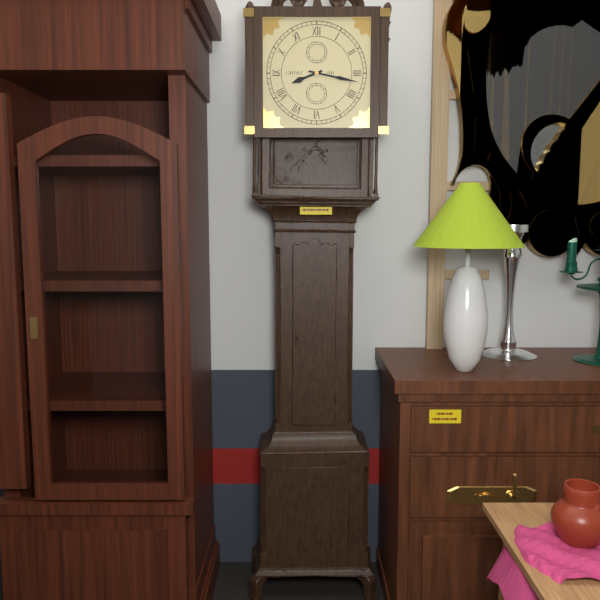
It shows 8h17
